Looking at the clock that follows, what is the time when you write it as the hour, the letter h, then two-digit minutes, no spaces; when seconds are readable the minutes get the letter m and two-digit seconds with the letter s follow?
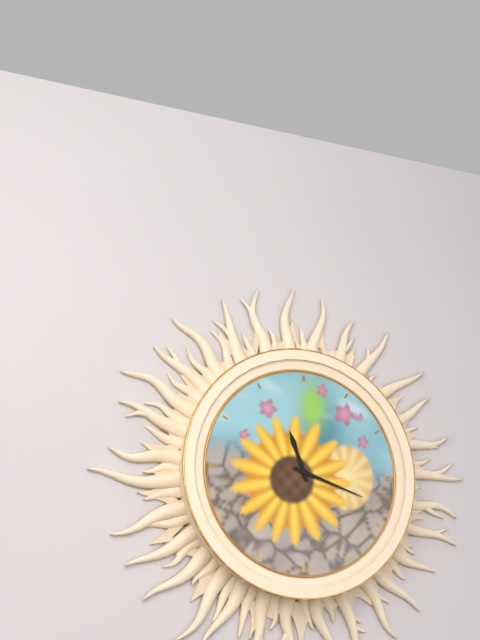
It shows 11h18
